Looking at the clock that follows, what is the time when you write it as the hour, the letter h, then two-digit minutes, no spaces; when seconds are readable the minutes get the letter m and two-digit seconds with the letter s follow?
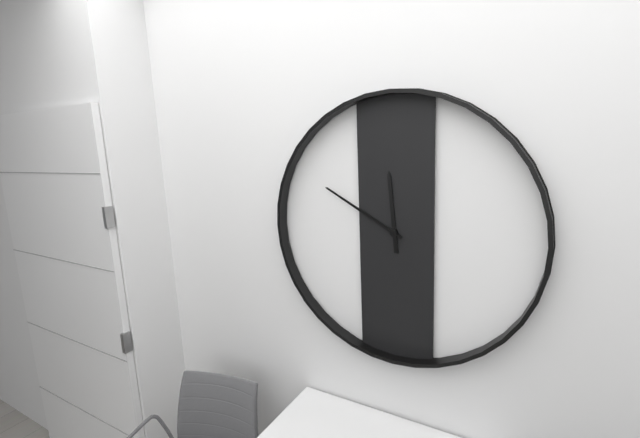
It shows 11h50
